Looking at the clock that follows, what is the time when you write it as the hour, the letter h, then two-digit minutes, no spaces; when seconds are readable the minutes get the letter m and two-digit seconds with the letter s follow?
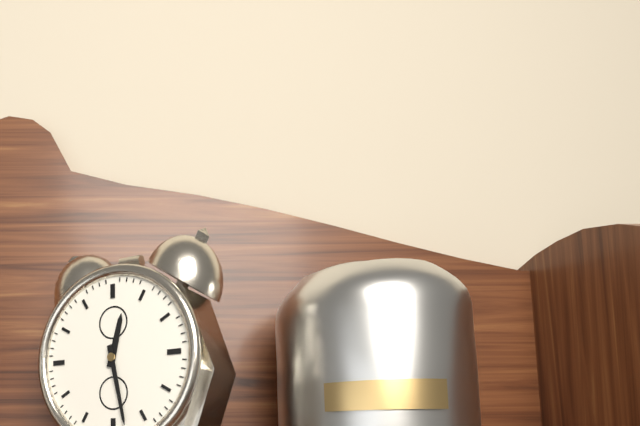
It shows 12h28
